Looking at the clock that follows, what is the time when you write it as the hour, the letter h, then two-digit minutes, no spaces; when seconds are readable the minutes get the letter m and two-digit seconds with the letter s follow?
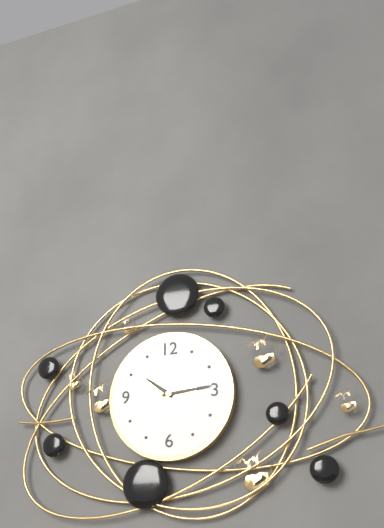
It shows 10h14
